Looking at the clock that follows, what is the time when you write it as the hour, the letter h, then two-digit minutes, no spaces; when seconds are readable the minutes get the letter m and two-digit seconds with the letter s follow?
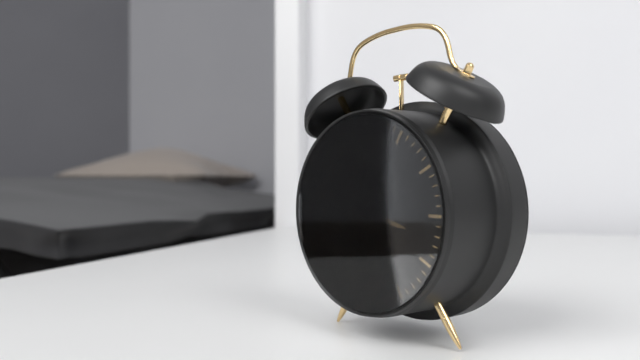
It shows 3h28m57s
